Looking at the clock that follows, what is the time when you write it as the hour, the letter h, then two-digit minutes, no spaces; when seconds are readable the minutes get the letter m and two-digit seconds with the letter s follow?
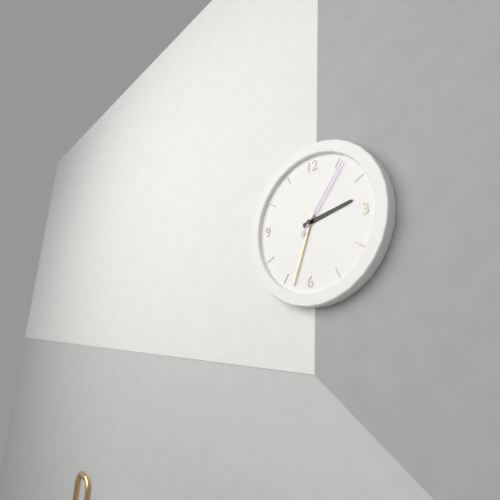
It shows 2h33m06s
